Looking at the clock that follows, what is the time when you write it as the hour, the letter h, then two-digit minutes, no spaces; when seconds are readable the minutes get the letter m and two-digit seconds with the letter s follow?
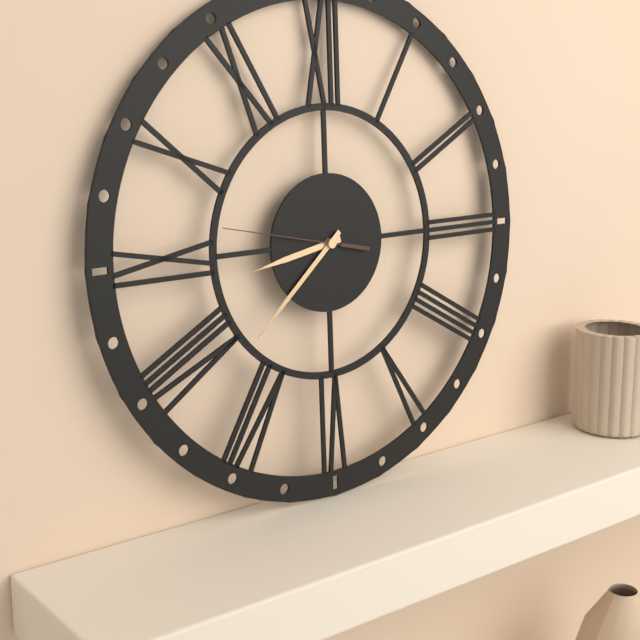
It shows 8h38m47s
